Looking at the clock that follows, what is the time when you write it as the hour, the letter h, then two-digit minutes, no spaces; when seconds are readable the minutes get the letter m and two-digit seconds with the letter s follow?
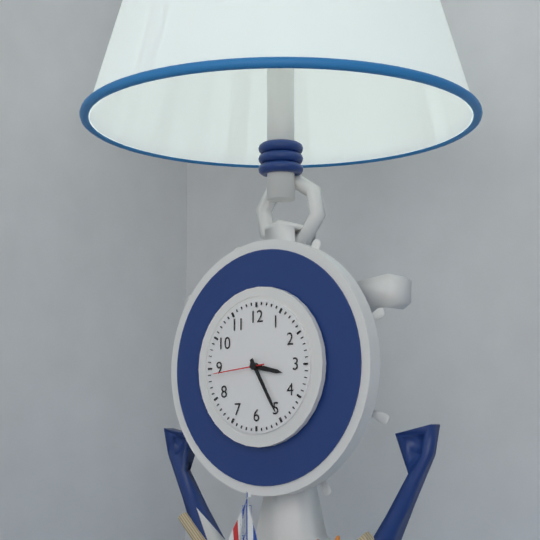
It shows 3h25m44s
